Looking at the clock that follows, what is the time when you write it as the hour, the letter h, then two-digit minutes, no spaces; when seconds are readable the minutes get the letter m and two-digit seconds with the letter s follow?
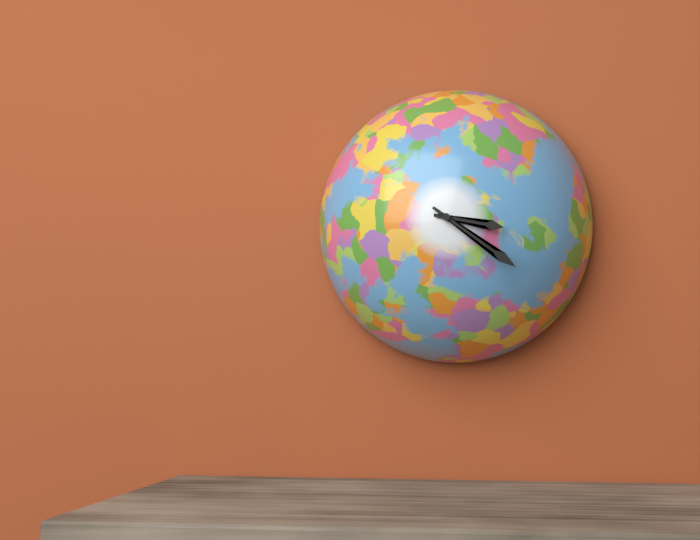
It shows 3h21
